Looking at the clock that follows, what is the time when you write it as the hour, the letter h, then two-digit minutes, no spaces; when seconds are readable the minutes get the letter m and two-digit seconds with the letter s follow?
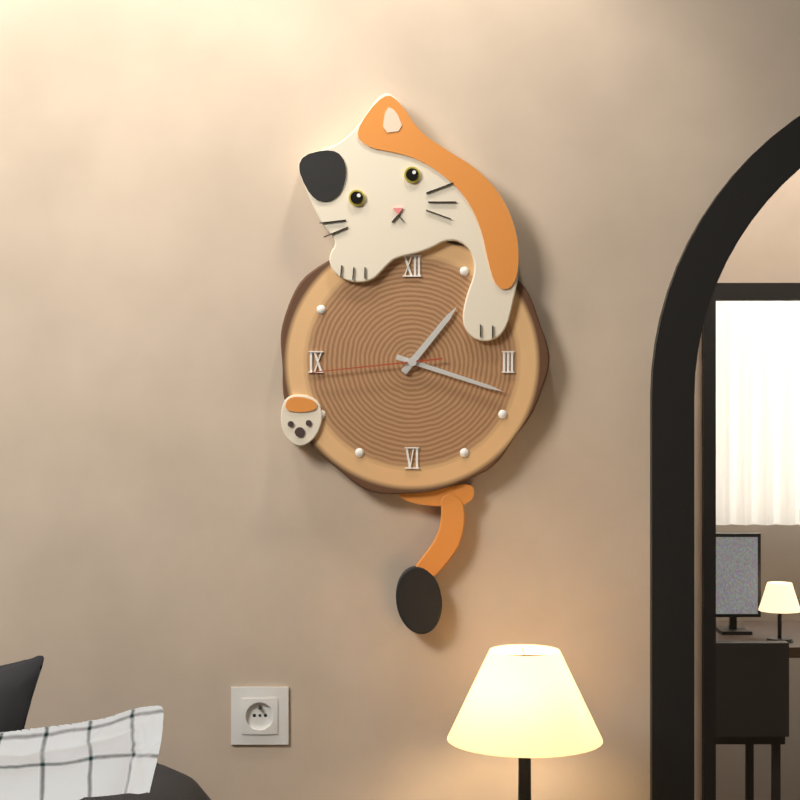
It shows 1h18m44s
